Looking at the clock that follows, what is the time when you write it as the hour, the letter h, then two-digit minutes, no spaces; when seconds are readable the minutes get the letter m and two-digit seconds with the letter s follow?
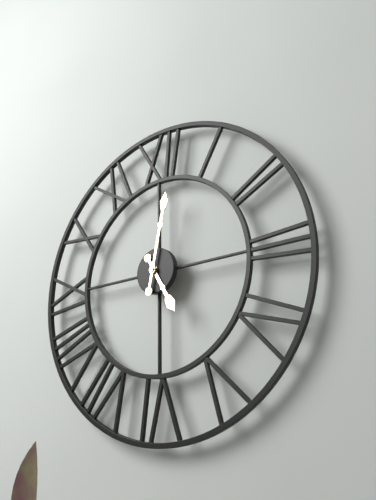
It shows 5h02
